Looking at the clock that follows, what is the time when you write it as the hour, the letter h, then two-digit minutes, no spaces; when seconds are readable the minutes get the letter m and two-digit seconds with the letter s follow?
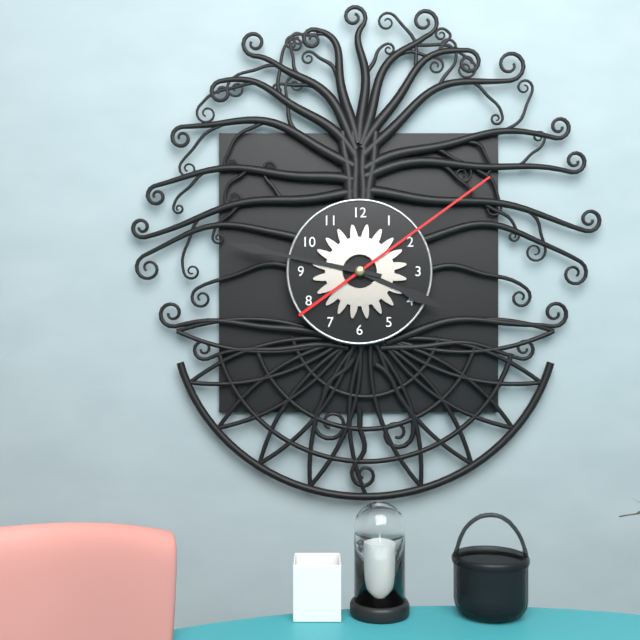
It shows 3h47m09s
